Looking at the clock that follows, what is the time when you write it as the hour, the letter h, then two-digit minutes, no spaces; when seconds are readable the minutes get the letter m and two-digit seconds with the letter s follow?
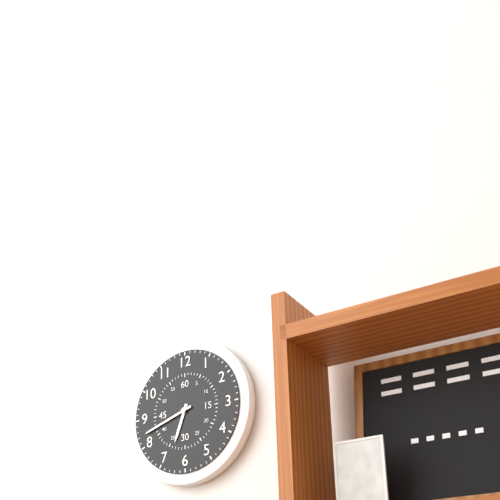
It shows 6h42
